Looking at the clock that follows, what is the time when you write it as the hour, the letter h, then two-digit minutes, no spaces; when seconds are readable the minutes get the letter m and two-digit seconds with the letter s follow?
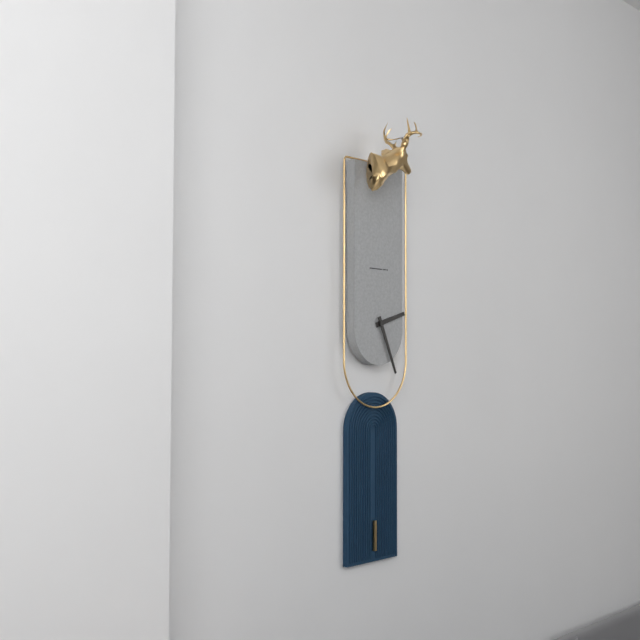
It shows 2h26
